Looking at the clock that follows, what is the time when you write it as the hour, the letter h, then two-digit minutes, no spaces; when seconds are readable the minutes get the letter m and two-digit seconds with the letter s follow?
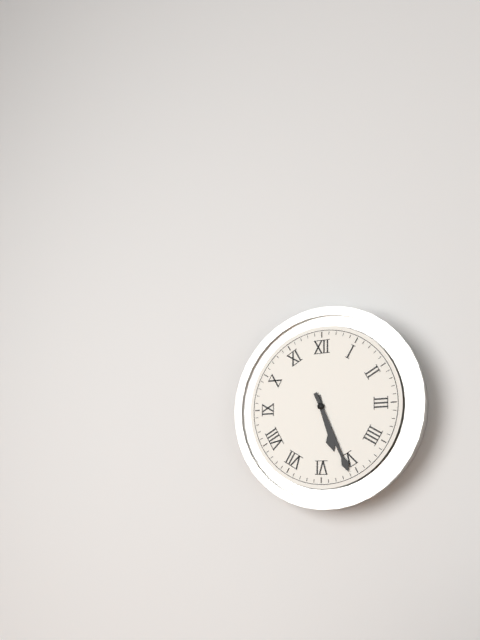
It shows 5h26
